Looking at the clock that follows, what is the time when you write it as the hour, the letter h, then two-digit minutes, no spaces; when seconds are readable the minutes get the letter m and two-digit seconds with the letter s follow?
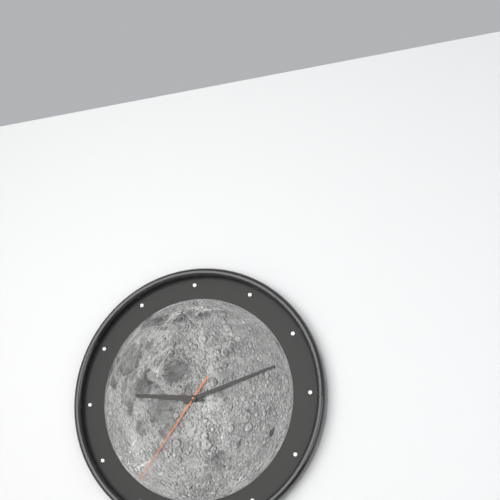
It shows 9h12m36s
